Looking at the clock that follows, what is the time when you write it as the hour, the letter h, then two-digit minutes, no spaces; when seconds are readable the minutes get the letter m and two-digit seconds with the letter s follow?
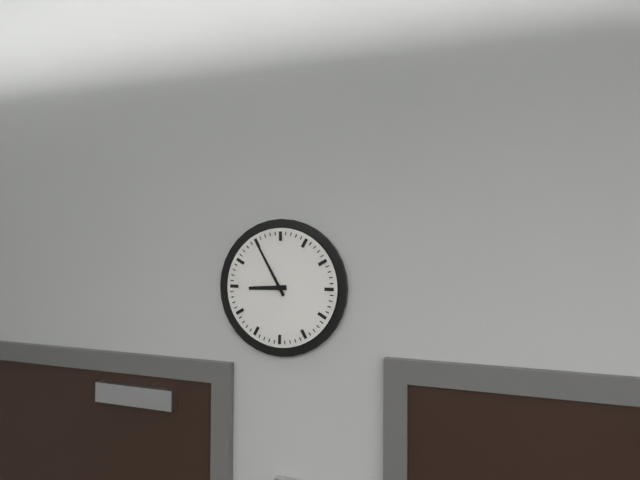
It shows 8h55
